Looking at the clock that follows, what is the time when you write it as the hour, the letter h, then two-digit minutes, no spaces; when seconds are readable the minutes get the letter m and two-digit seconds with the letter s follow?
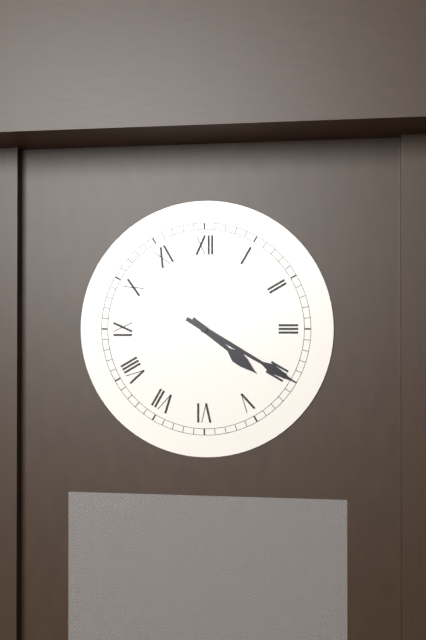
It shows 4h20
